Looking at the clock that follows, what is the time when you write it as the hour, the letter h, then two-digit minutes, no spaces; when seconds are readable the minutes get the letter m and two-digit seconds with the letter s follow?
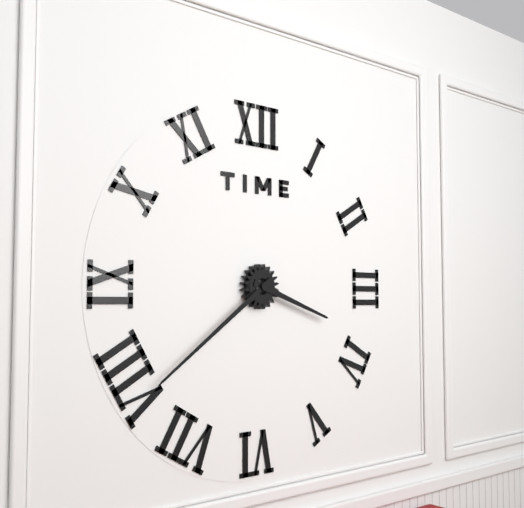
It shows 3h39
